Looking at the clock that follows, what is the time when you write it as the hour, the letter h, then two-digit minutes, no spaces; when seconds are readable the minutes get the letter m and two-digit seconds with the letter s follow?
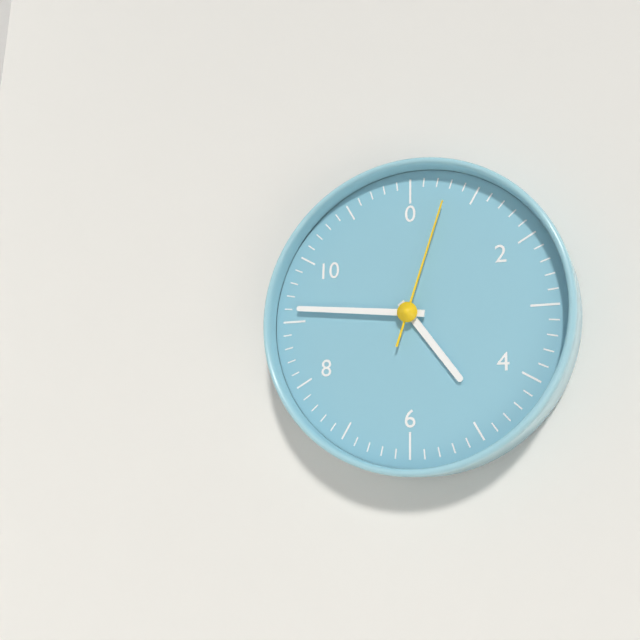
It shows 4h46m03s
